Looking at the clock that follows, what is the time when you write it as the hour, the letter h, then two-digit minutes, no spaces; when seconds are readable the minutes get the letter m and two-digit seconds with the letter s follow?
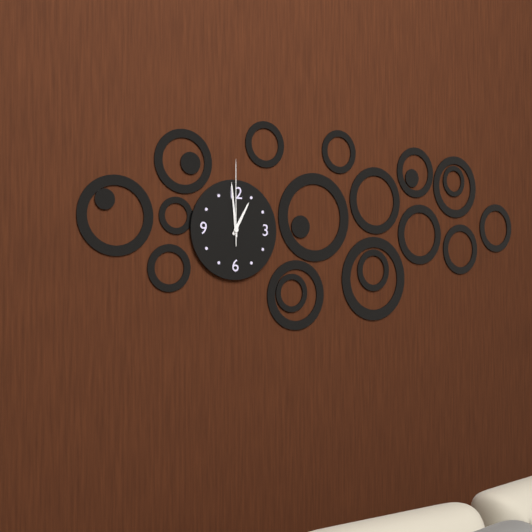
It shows 12h59m00s
